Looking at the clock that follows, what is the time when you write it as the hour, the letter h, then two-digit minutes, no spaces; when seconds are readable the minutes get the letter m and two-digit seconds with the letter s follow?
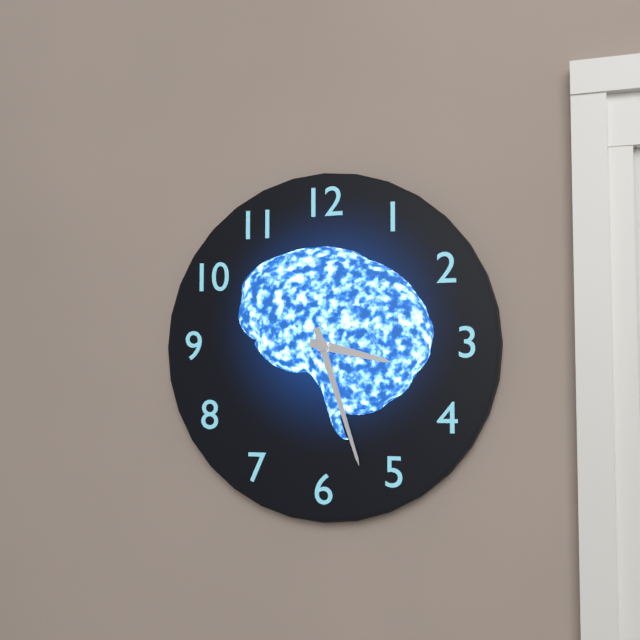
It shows 3h27
